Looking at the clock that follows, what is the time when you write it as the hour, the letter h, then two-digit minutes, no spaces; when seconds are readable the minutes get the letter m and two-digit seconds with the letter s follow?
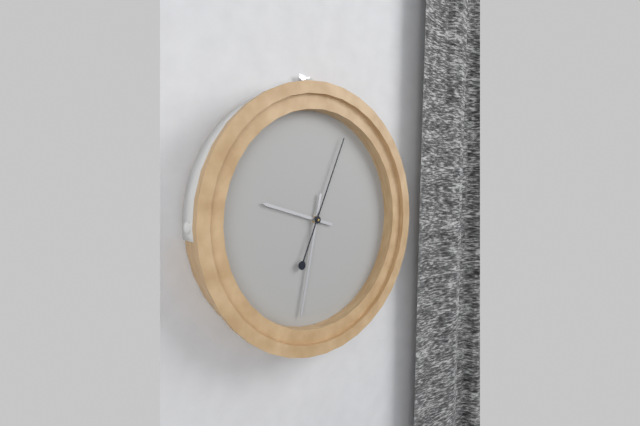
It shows 9h32m04s
